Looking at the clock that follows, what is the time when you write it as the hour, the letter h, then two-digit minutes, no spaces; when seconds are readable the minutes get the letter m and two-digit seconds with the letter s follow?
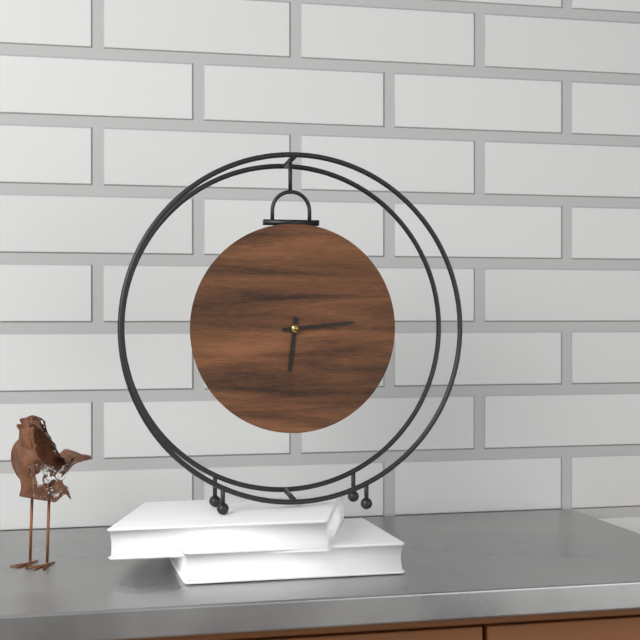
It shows 6h14
